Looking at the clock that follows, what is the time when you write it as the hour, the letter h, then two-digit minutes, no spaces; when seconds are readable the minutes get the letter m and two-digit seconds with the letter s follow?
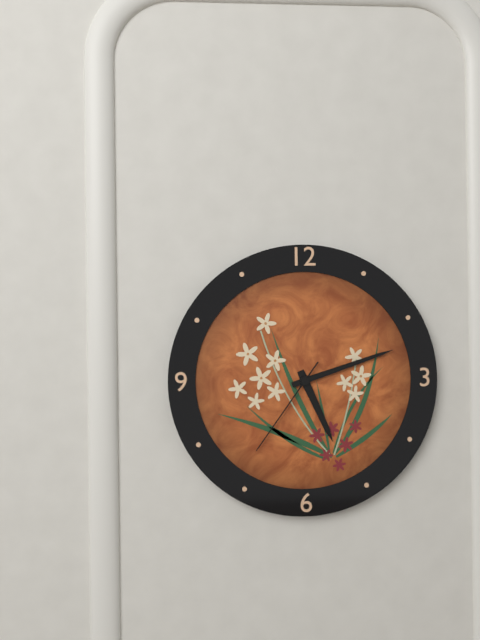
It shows 5h12m36s
